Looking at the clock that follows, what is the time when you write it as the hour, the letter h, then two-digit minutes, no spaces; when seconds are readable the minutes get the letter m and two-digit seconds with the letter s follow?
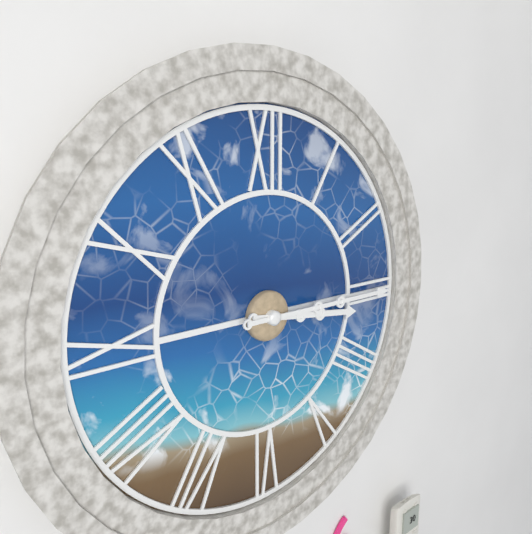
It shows 3h15
